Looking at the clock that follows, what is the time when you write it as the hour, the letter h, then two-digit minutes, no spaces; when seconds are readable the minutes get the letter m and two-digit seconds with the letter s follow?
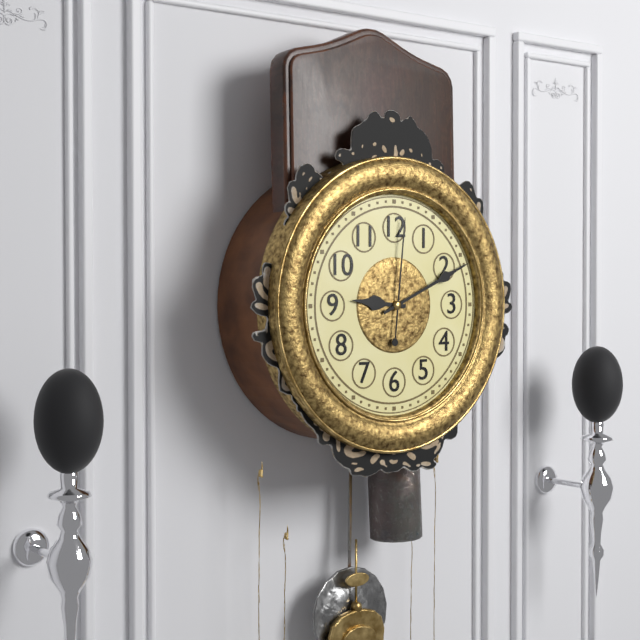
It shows 9h11m01s
